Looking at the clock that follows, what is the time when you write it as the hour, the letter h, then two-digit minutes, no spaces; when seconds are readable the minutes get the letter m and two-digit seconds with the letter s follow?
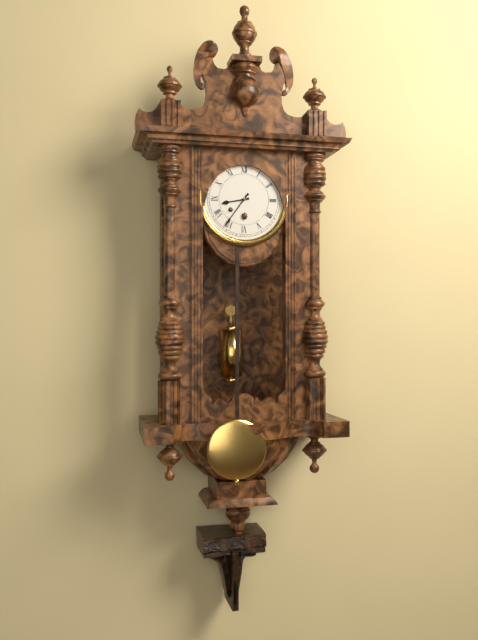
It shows 8h36
